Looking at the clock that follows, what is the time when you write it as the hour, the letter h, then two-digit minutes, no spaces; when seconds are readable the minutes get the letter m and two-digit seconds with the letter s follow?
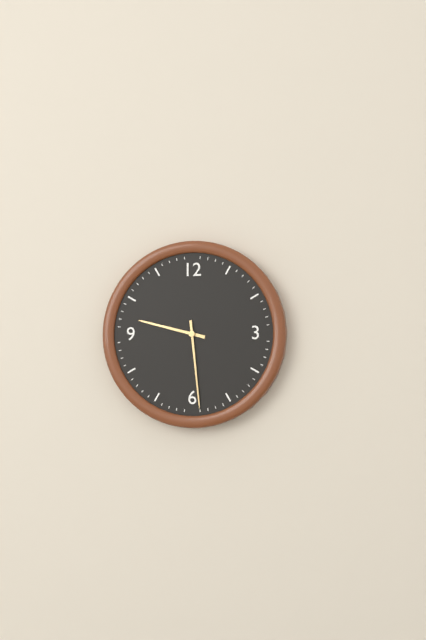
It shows 9h29
